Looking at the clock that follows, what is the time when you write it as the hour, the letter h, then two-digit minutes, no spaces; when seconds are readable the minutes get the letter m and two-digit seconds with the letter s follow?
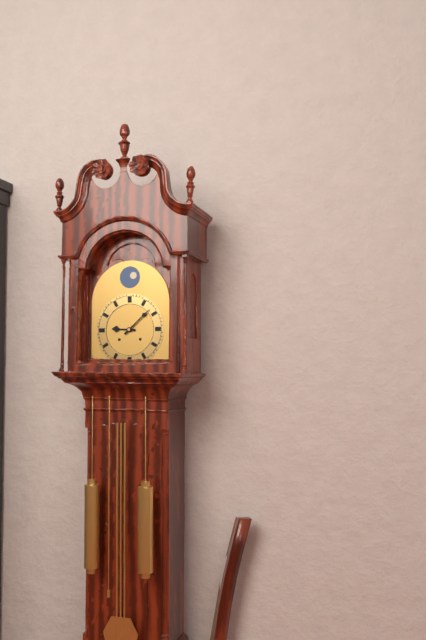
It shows 9h08
